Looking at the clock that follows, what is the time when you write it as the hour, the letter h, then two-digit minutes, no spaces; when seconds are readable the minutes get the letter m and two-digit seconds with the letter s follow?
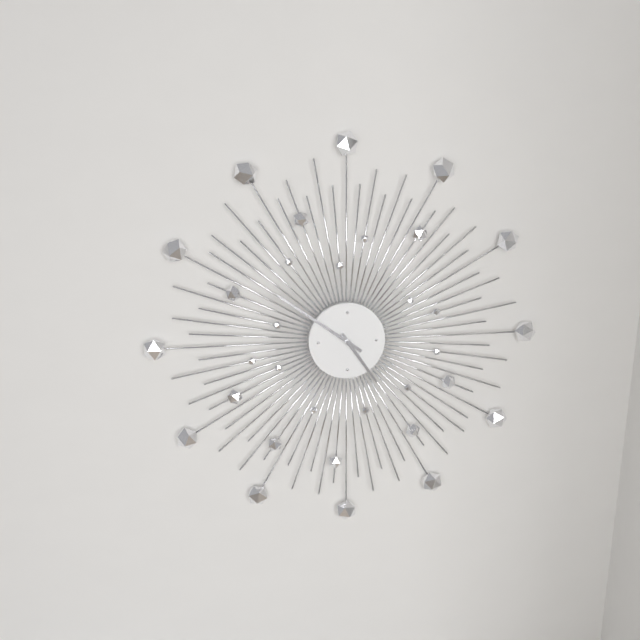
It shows 4h51
